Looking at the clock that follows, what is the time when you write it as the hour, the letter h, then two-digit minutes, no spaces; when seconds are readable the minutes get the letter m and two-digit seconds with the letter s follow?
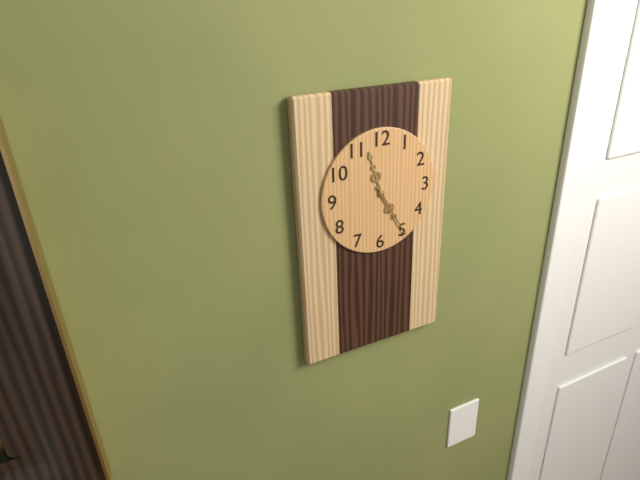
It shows 11h25
